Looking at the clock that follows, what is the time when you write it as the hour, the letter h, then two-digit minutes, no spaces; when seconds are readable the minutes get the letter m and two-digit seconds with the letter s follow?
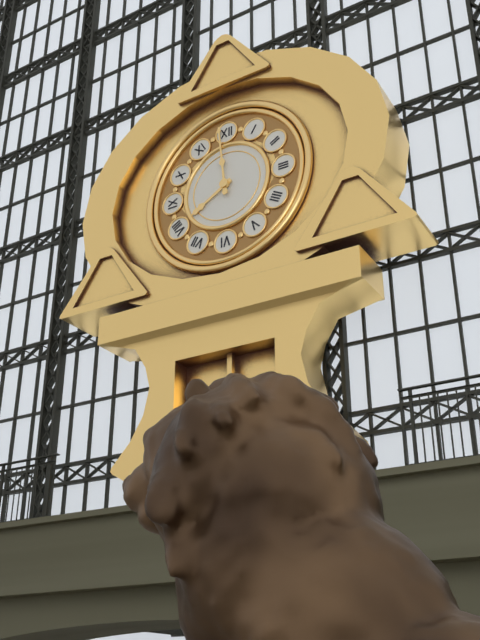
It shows 7h59
